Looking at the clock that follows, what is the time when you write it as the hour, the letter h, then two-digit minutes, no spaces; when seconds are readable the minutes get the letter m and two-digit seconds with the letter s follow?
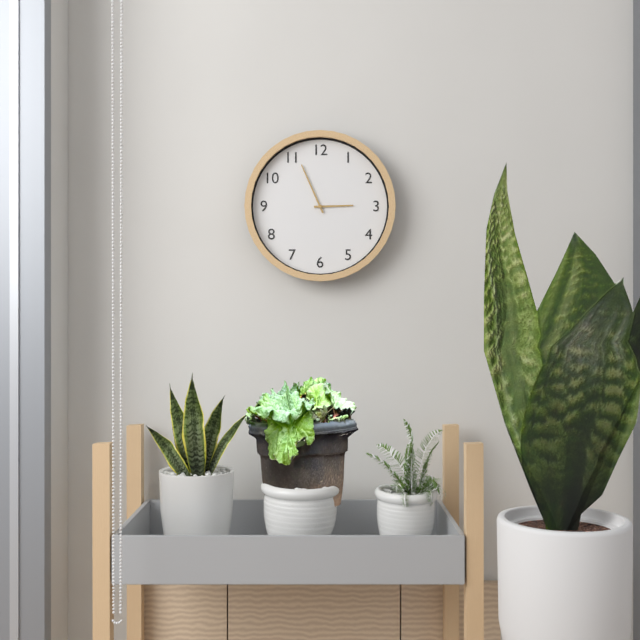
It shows 2h56
